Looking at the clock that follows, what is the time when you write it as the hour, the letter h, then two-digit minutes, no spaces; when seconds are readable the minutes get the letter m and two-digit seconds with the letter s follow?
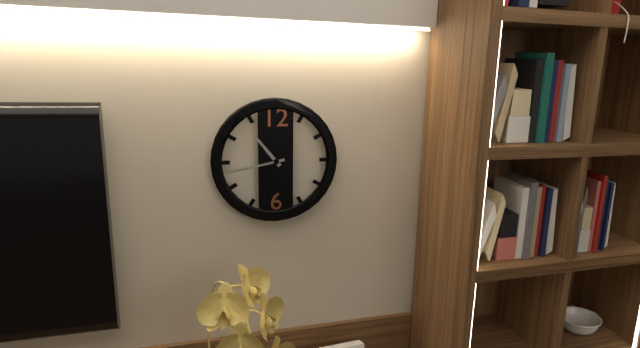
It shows 10h43
